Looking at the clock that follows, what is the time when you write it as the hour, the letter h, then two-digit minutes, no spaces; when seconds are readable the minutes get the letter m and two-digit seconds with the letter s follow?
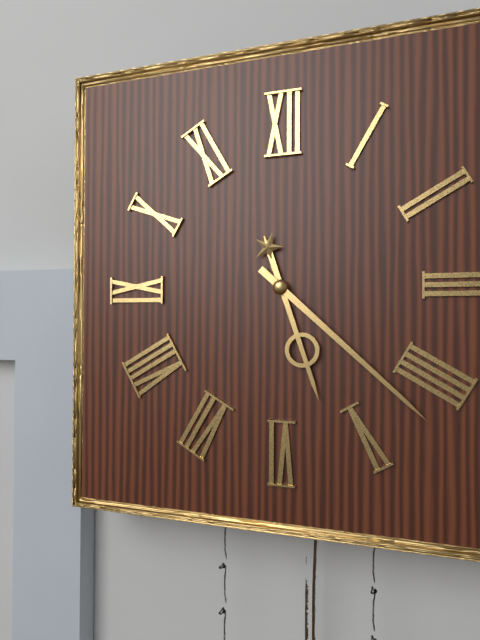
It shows 5h22
